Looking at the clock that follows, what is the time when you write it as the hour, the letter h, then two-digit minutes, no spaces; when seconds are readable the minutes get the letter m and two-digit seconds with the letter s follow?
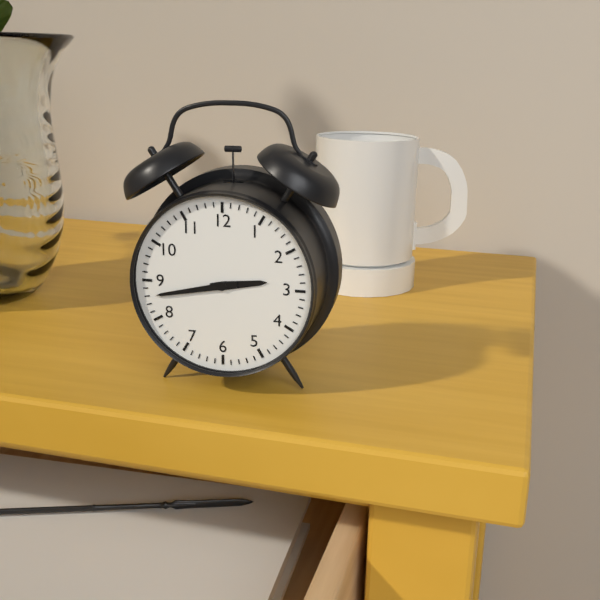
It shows 2h43
